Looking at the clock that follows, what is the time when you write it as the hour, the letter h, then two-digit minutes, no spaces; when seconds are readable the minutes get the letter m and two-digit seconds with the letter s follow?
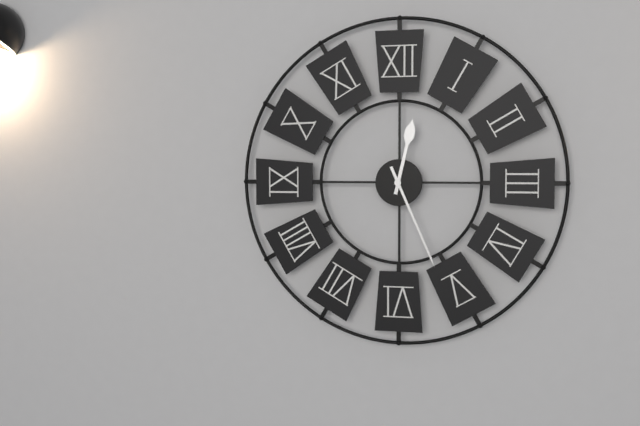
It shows 12h26
